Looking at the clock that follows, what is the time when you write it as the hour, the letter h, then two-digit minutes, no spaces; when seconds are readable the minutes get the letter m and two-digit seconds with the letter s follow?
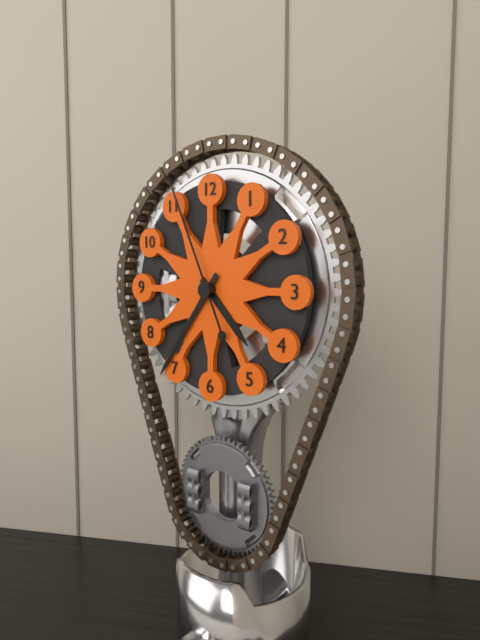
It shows 4h36m56s
